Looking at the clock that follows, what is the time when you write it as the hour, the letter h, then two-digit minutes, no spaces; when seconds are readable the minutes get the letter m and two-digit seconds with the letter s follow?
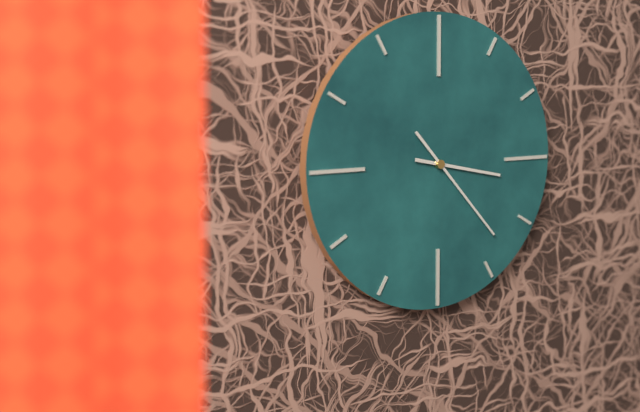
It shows 3h23
